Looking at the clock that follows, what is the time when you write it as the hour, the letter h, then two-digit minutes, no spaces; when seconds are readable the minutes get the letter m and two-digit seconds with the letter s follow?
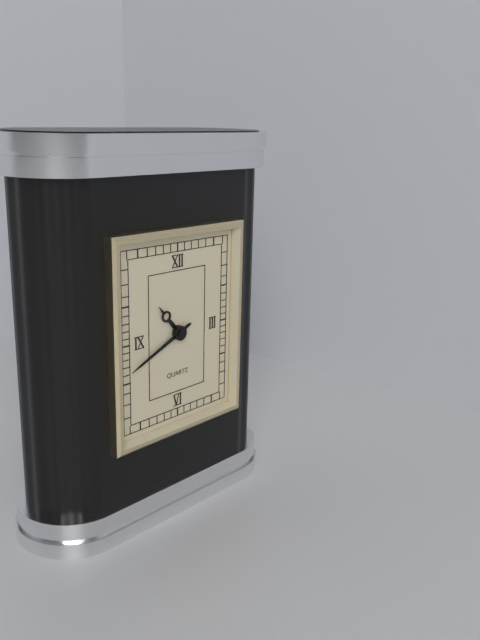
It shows 10h41
